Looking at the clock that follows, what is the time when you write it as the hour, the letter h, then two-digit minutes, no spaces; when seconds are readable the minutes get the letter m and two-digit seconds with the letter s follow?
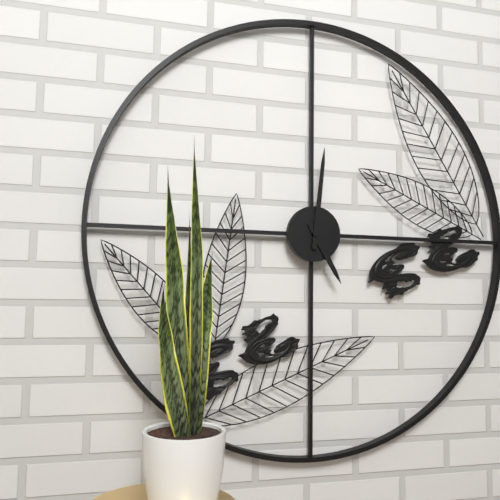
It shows 5h01
